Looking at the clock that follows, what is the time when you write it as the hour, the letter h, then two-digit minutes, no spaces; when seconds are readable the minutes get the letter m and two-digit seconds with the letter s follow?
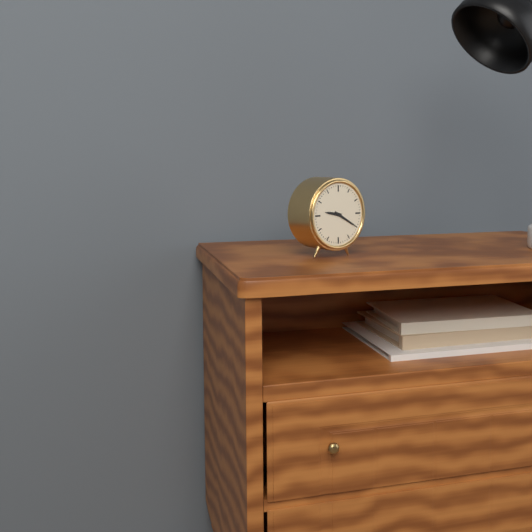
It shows 9h20
